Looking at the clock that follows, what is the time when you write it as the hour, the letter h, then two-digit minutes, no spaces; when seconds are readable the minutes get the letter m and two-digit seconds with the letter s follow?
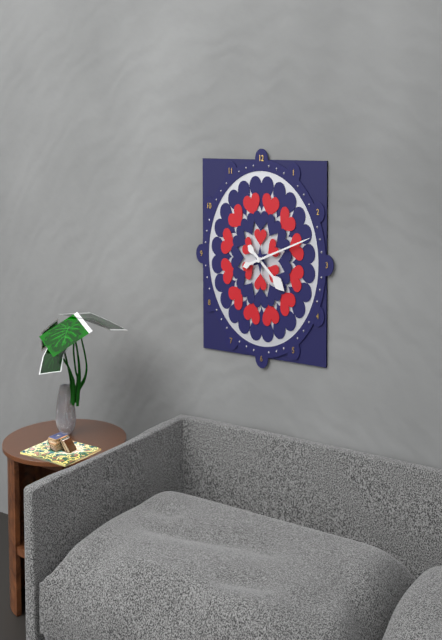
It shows 4h12
